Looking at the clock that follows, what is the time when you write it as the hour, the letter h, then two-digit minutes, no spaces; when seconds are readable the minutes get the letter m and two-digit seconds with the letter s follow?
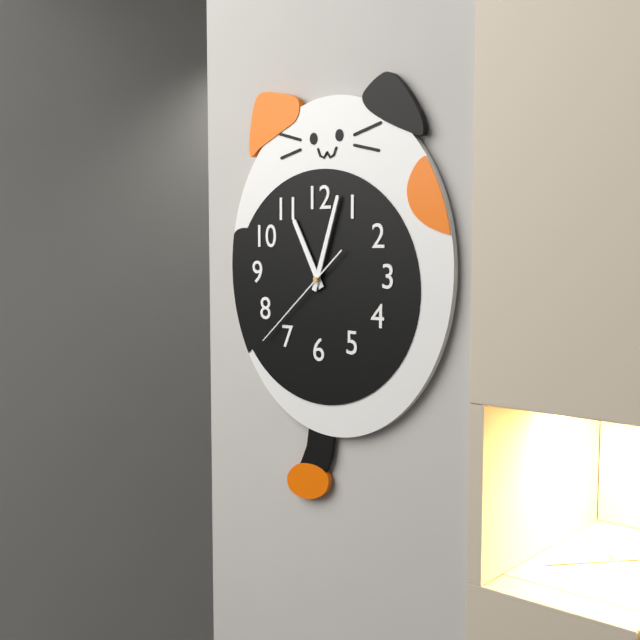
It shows 11h03m38s
